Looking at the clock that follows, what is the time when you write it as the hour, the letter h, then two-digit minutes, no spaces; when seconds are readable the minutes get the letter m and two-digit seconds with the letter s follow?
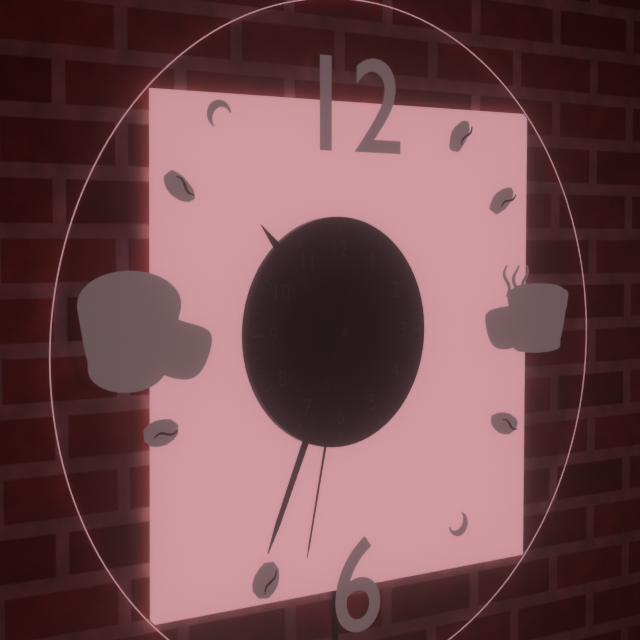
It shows 10h34m32s
